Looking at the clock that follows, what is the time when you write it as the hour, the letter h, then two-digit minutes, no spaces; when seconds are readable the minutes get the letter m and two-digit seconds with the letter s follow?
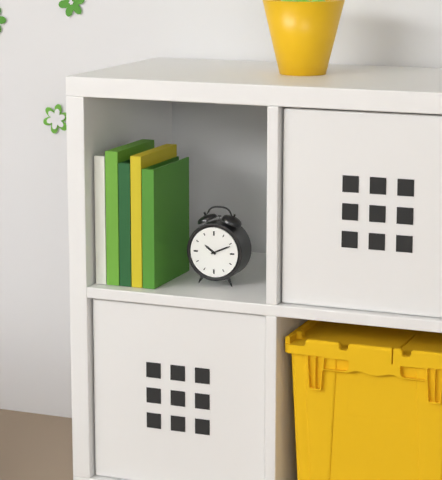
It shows 10h11
